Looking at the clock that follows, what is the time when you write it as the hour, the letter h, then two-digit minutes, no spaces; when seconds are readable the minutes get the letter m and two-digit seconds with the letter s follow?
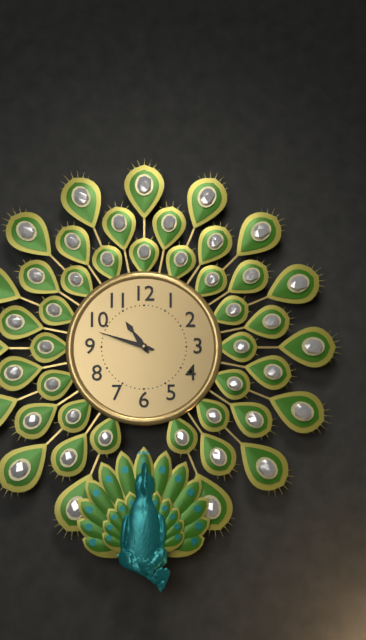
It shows 10h48
